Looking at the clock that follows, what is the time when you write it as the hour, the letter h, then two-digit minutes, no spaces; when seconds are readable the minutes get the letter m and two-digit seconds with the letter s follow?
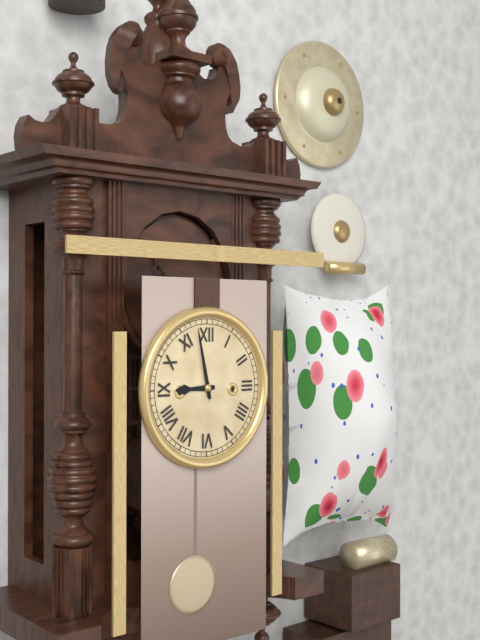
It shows 8h58
